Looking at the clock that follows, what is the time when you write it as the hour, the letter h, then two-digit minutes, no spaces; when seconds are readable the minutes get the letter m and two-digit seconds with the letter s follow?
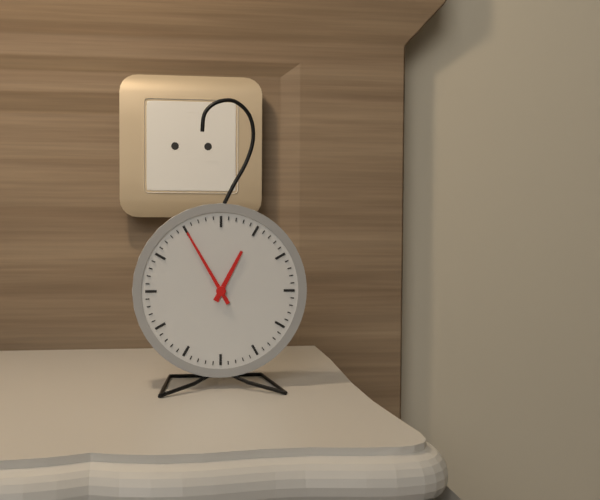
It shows 12h55
